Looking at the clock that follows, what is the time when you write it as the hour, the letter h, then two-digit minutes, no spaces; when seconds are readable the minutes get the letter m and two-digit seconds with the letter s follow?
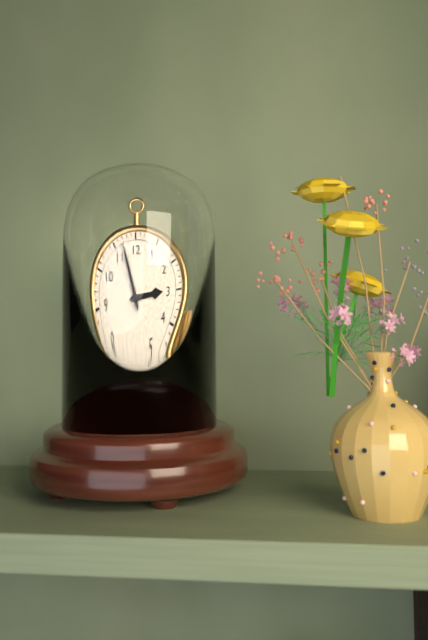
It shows 2h57
